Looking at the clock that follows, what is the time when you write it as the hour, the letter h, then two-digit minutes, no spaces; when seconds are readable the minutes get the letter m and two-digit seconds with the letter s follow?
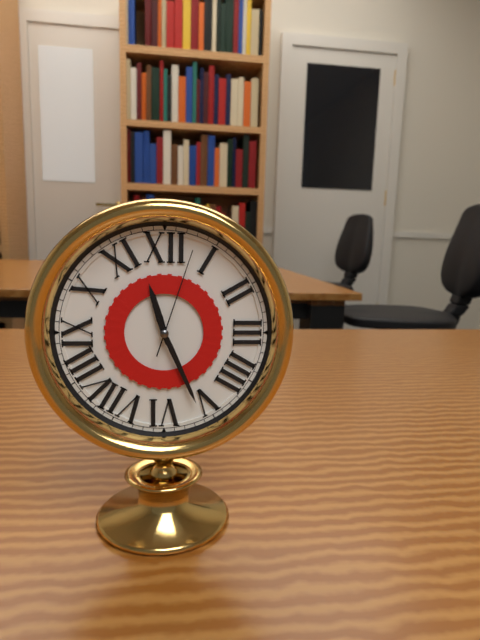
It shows 11h26m03s
